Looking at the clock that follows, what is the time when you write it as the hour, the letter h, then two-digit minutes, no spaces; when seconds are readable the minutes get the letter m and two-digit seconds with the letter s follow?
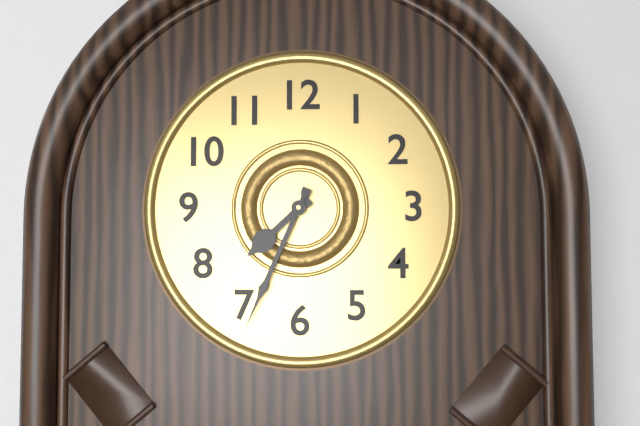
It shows 7h34
